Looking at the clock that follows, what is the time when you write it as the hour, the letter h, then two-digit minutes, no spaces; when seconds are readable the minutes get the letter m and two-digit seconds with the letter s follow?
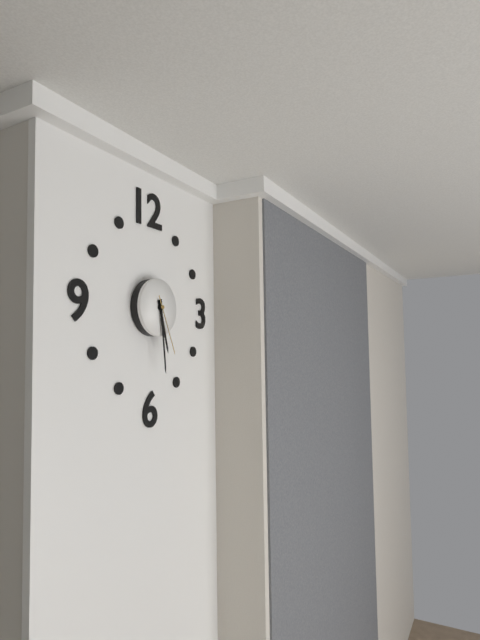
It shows 5h29m26s
